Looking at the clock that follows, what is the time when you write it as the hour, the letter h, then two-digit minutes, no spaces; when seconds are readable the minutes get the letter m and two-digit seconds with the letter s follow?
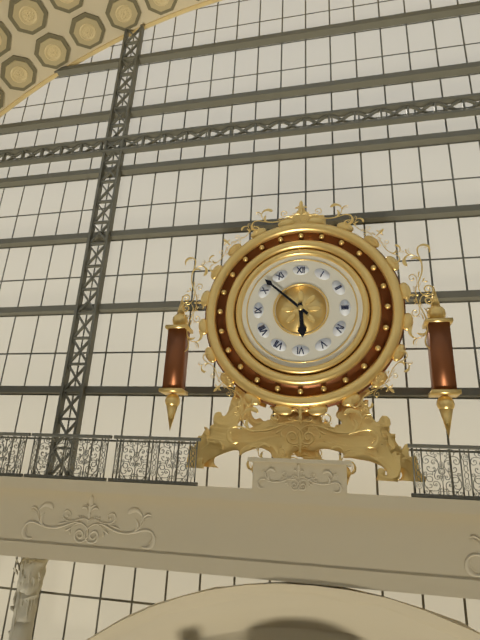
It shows 5h52
